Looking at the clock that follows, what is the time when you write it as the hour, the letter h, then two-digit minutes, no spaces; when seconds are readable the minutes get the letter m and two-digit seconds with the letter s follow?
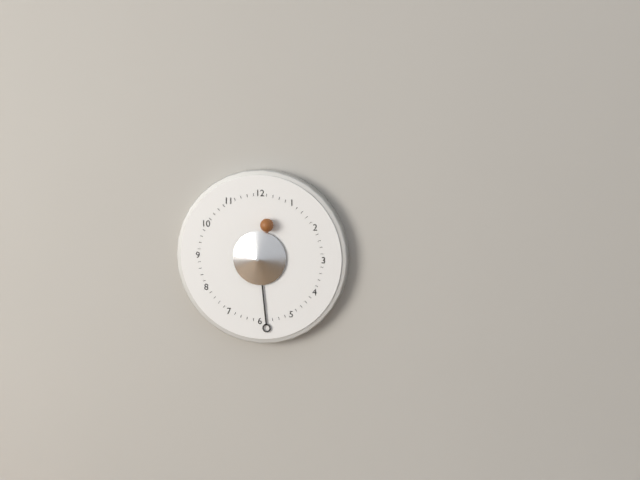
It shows 12h29
